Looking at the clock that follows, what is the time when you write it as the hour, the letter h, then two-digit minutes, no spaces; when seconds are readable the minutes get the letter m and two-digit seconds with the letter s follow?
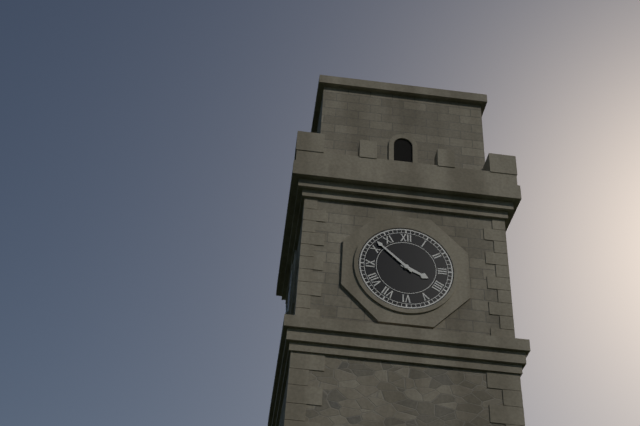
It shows 3h52
